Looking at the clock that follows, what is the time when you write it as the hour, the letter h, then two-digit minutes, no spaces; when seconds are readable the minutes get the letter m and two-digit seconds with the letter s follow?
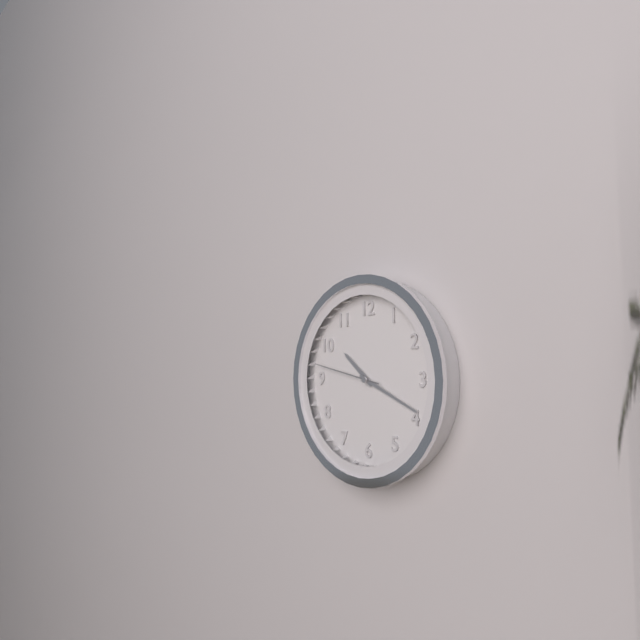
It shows 10h19m47s
